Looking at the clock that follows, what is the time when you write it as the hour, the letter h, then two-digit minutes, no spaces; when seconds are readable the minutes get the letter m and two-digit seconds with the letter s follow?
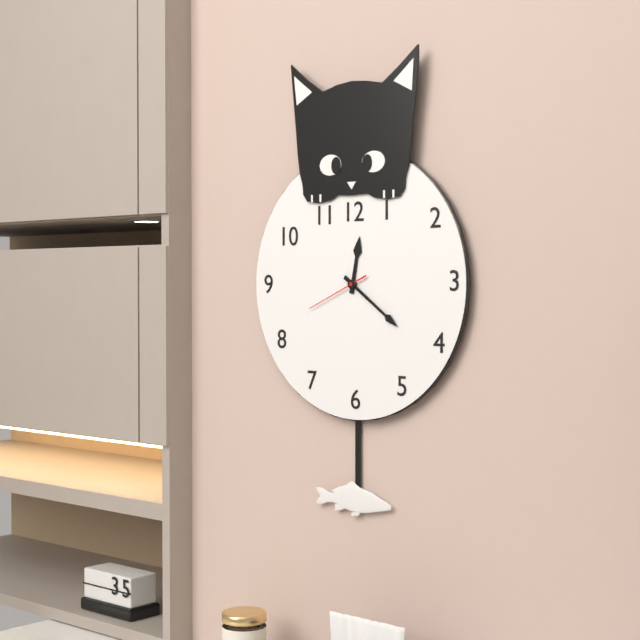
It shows 12h21m41s
